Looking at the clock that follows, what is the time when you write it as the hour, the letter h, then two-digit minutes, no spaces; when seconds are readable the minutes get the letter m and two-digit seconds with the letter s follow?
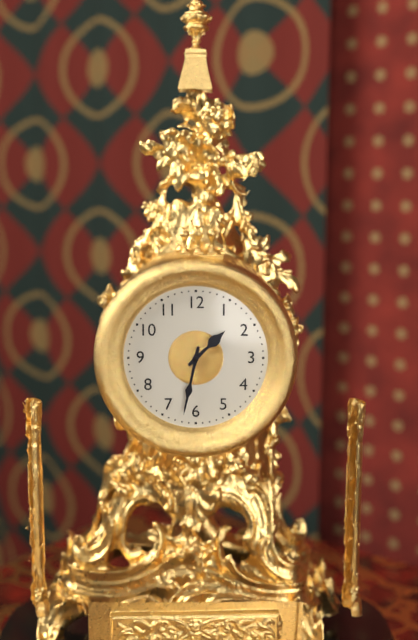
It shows 1h32
